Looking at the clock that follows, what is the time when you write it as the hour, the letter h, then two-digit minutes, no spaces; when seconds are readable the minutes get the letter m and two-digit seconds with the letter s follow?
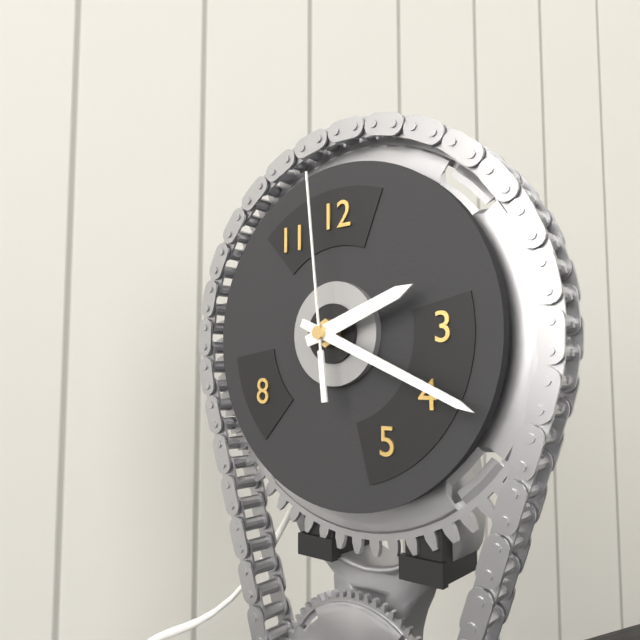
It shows 2h19m59s
